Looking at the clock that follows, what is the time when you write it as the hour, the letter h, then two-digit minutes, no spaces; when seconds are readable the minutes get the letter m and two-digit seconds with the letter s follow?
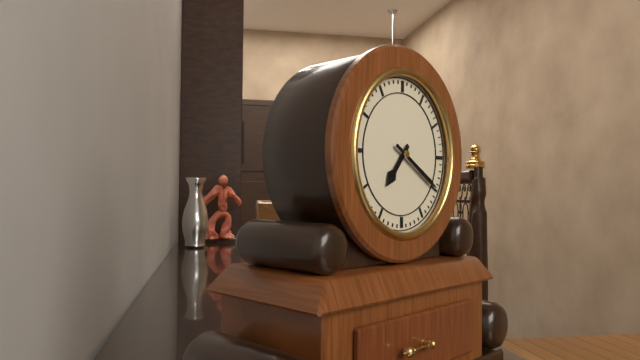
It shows 7h20
